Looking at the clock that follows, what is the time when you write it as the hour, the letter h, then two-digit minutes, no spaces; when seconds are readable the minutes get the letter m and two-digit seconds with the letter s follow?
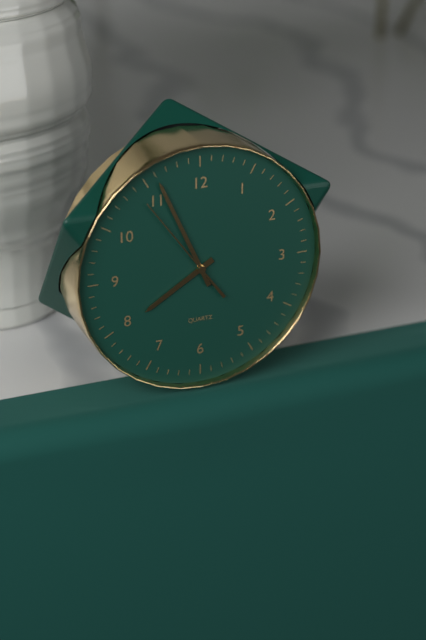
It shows 7h56m54s
